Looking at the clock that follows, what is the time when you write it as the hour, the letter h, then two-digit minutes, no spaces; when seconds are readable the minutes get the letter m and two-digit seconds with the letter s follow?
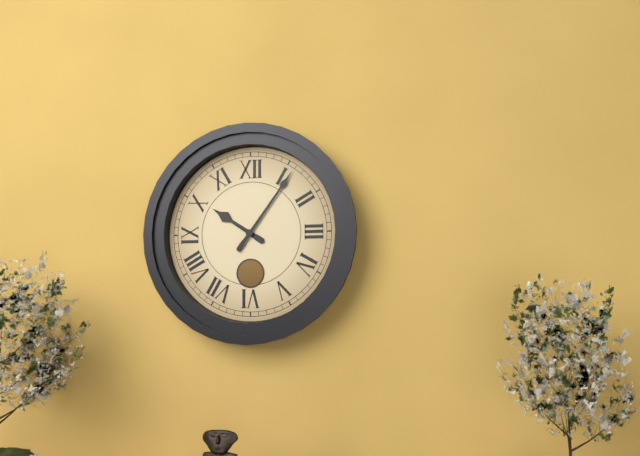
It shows 10h06
